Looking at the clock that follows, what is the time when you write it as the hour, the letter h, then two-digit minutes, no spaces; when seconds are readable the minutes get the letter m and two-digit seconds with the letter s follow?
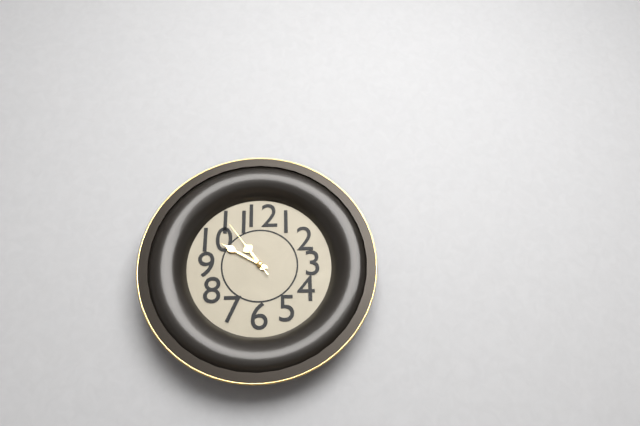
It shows 10h50m54s
